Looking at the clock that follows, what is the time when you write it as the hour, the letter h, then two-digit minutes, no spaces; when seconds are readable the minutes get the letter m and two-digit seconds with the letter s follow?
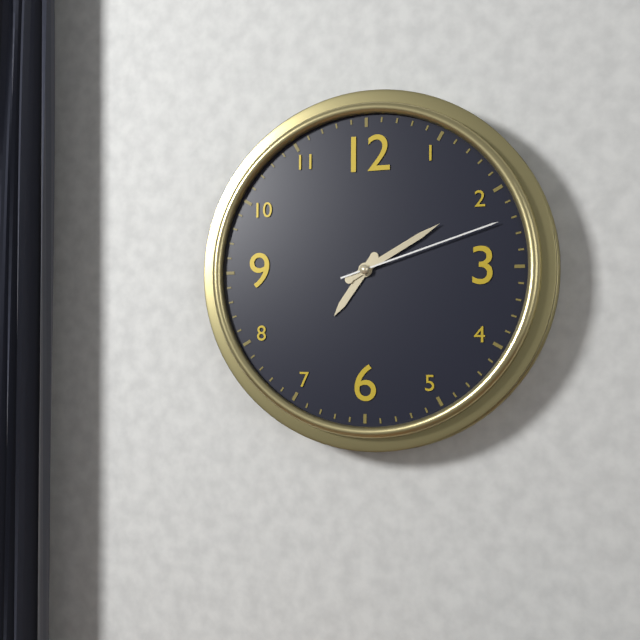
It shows 7h10m12s
